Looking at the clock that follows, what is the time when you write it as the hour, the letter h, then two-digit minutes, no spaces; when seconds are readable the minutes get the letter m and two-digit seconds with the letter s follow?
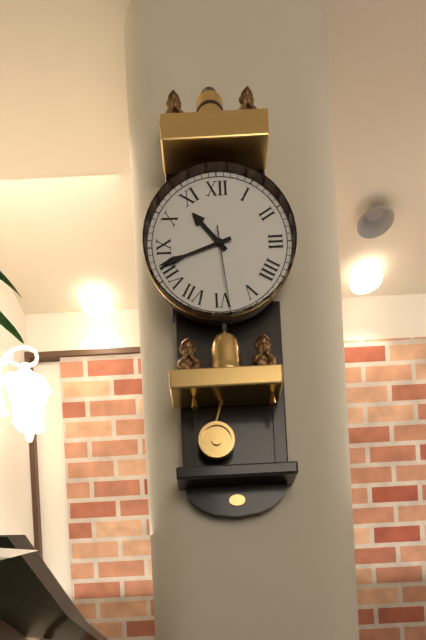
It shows 10h42m29s
